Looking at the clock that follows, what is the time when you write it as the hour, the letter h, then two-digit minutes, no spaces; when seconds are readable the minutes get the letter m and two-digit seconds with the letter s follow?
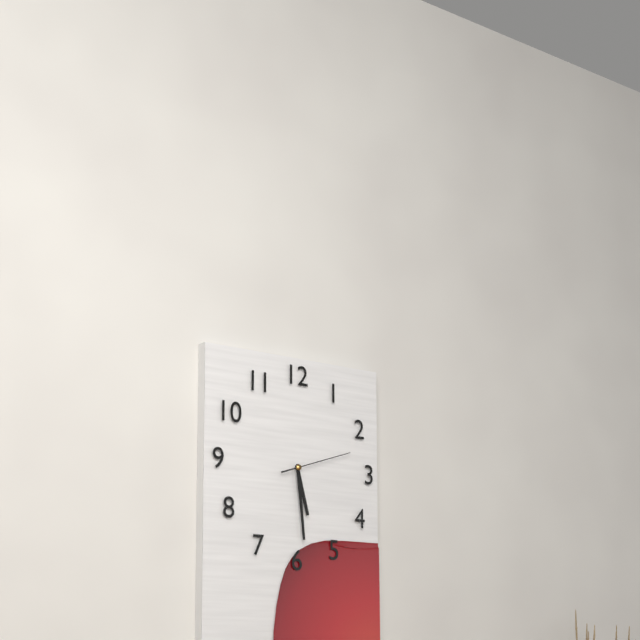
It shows 5h29m12s
